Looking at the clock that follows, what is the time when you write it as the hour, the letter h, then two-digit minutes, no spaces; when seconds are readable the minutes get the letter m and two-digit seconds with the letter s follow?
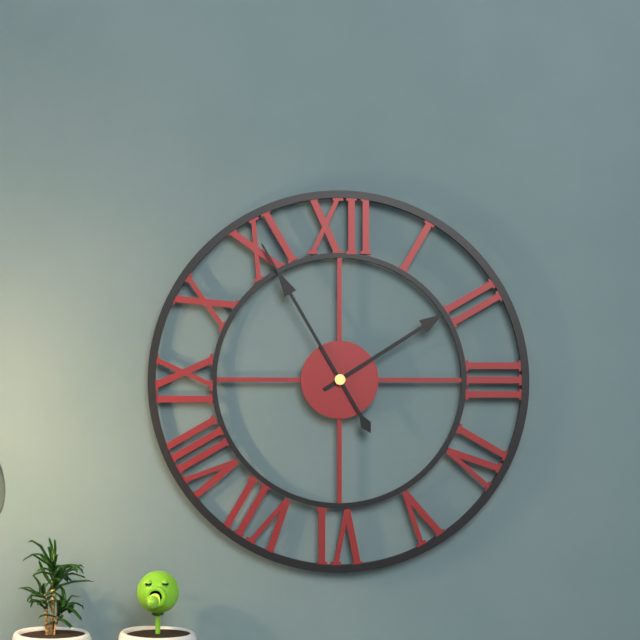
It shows 1h55
